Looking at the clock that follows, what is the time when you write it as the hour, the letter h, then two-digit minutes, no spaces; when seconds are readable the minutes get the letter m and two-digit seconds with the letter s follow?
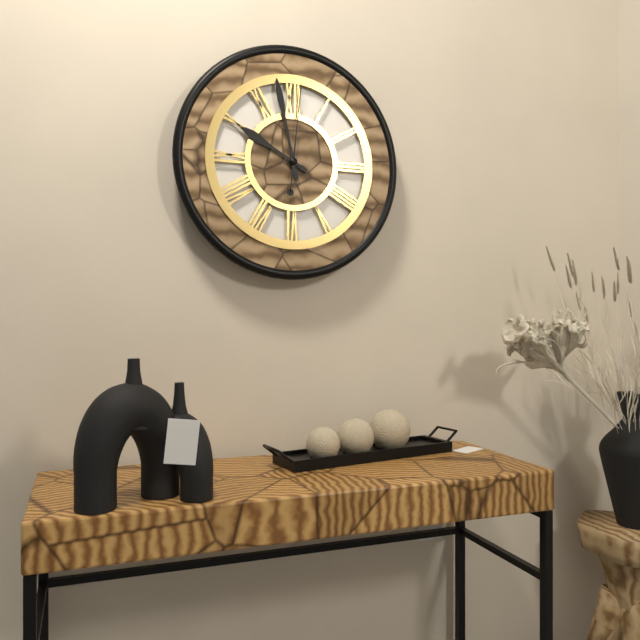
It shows 9h58m01s
